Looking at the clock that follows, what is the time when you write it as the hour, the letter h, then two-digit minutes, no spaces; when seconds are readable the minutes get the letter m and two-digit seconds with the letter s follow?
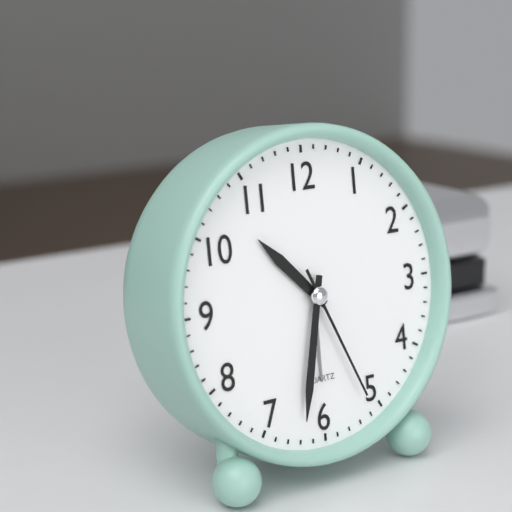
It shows 10h32m26s
